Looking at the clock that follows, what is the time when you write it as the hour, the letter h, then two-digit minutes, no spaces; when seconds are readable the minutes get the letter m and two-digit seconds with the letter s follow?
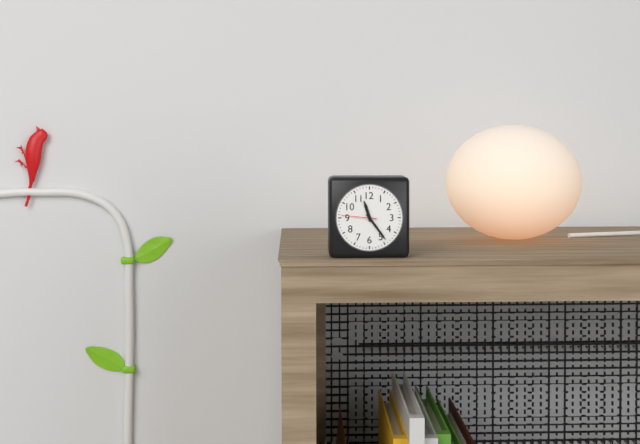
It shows 11h24
